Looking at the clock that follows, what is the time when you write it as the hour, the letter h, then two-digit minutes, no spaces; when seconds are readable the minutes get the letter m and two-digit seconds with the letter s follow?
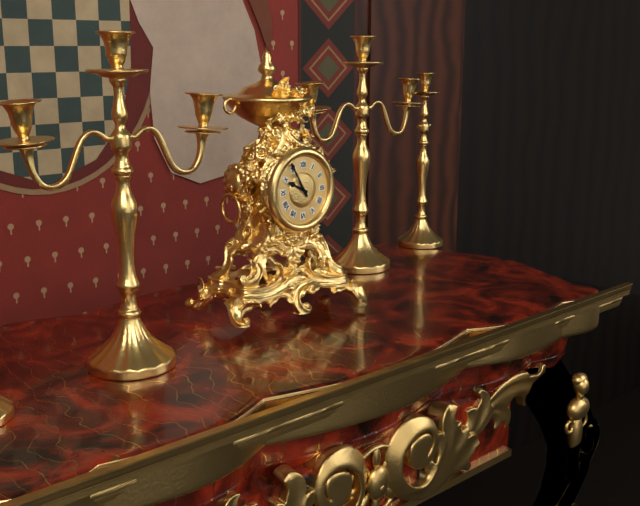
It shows 9h55
